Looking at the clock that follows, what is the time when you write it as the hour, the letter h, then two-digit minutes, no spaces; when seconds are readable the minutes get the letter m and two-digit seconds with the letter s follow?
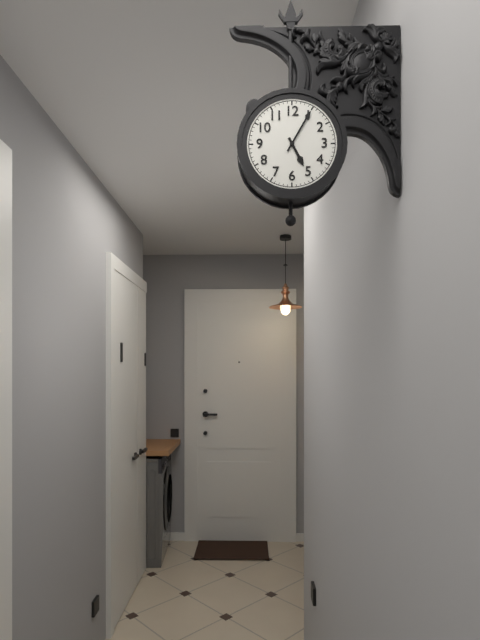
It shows 5h05
